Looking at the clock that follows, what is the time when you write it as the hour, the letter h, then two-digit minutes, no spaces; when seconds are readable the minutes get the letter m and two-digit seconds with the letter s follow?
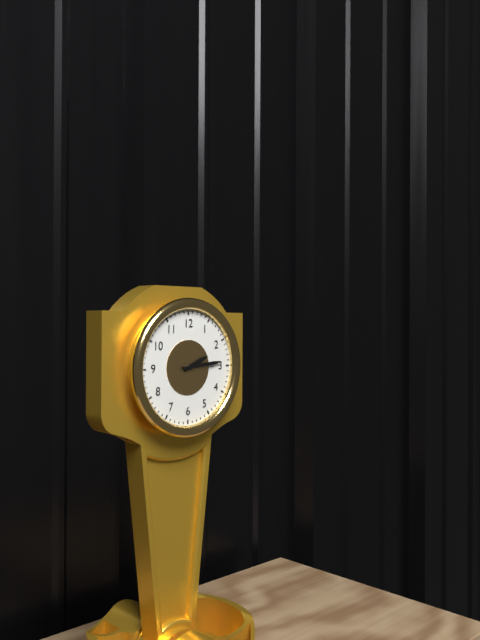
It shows 2h14
